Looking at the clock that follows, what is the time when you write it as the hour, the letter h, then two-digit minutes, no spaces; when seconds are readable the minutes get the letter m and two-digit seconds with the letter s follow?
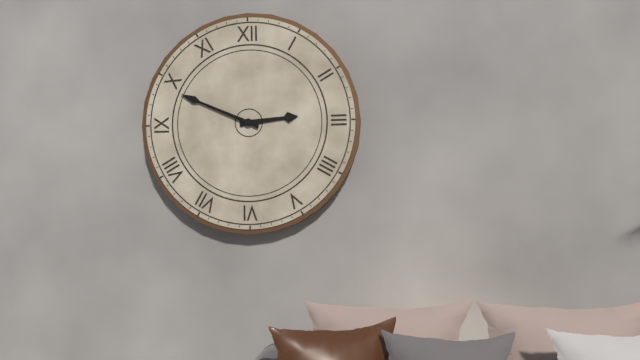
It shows 2h49
